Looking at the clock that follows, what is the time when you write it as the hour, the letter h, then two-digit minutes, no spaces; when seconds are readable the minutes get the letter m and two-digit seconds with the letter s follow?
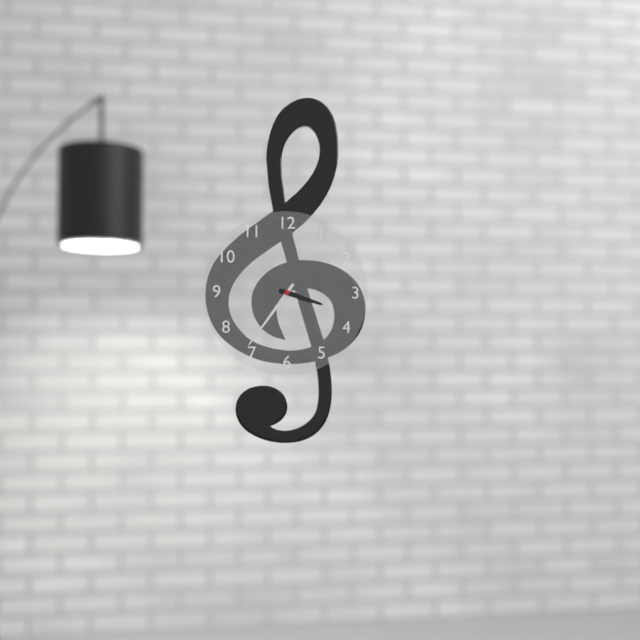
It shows 3h36
